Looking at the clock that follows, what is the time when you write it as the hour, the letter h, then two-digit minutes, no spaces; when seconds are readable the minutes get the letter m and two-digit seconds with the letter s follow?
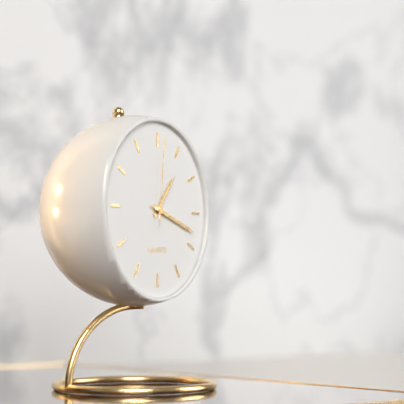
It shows 1h18m01s
